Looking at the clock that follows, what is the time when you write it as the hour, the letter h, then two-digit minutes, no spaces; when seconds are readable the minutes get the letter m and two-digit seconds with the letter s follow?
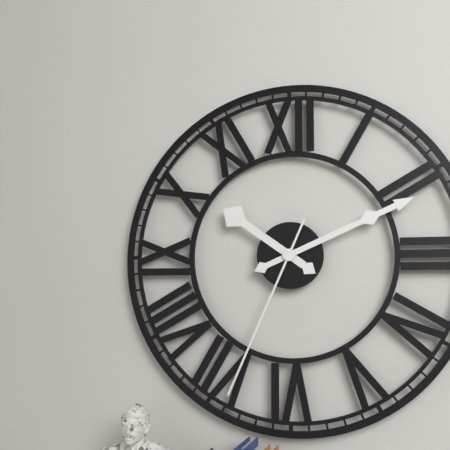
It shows 10h11m34s
